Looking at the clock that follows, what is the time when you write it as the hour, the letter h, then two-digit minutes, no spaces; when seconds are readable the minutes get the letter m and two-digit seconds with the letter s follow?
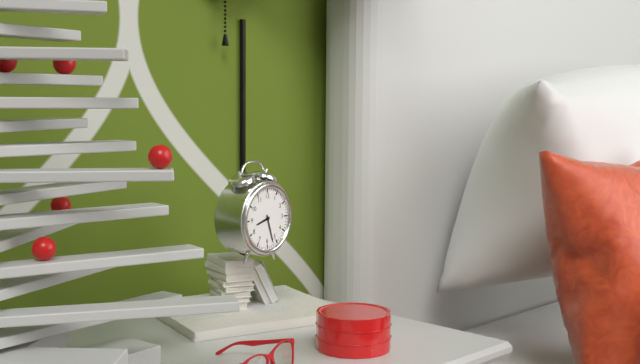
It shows 8h27
